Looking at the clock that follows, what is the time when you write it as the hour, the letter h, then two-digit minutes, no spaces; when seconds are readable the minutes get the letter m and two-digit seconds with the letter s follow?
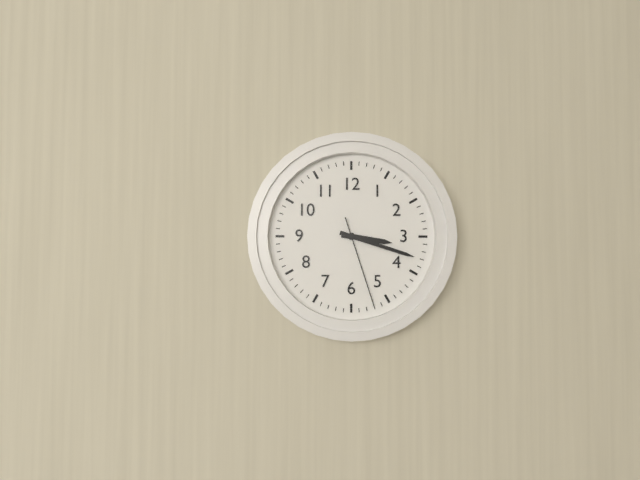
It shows 3h18m27s
